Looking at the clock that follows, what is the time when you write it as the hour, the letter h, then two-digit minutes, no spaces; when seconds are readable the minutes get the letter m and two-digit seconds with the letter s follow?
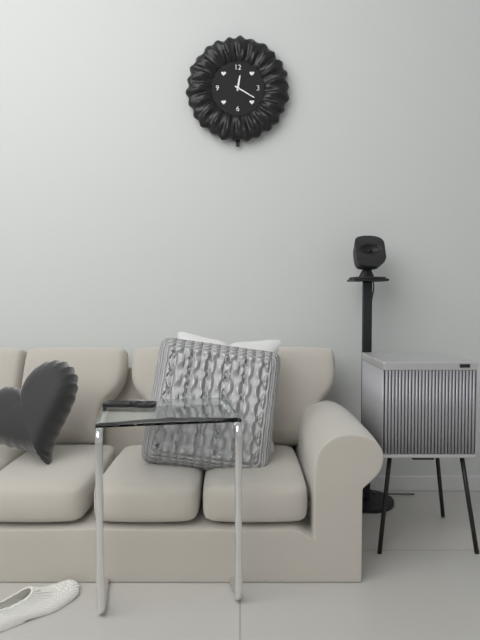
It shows 12h20
